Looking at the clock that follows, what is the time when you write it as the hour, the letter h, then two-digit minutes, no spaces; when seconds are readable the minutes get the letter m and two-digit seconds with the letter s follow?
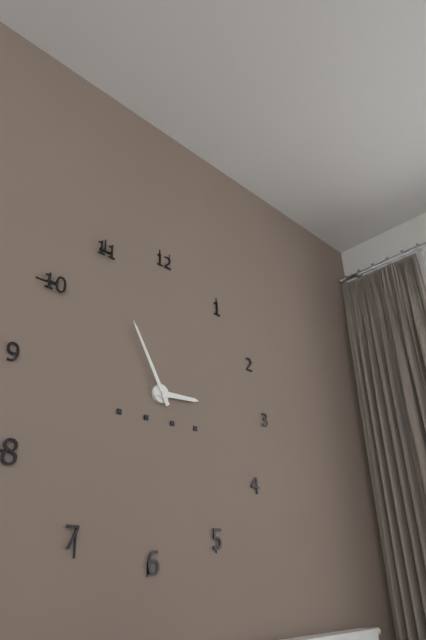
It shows 2h55
